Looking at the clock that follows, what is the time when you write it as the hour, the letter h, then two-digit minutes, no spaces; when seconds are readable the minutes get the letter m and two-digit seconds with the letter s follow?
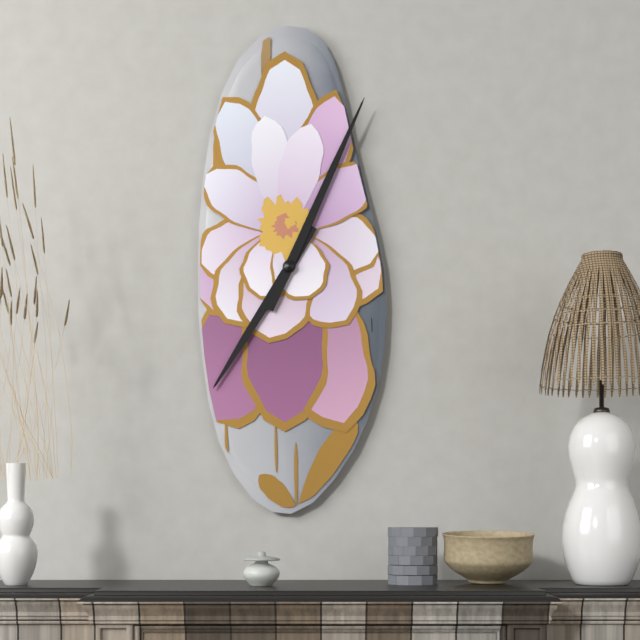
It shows 7h04
